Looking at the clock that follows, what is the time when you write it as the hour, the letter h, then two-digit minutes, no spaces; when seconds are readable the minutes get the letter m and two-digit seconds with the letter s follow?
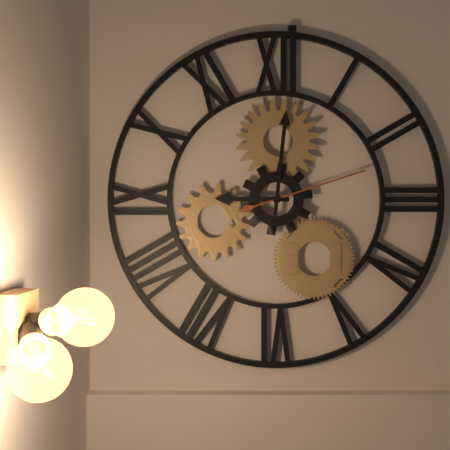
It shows 9h01m12s
